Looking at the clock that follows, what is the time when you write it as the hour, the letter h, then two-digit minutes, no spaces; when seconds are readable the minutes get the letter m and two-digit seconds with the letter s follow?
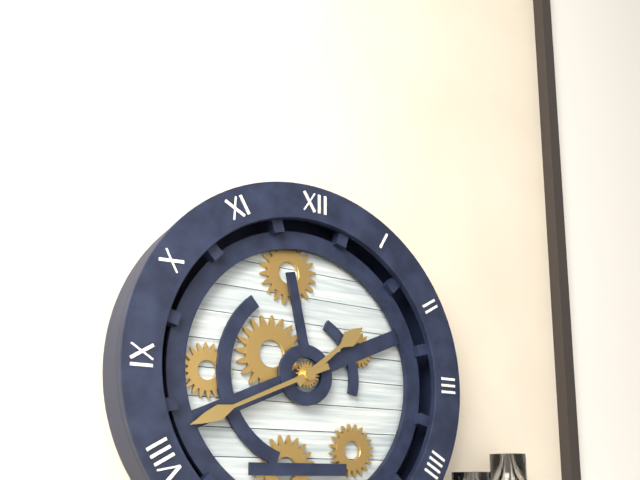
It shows 1h41
